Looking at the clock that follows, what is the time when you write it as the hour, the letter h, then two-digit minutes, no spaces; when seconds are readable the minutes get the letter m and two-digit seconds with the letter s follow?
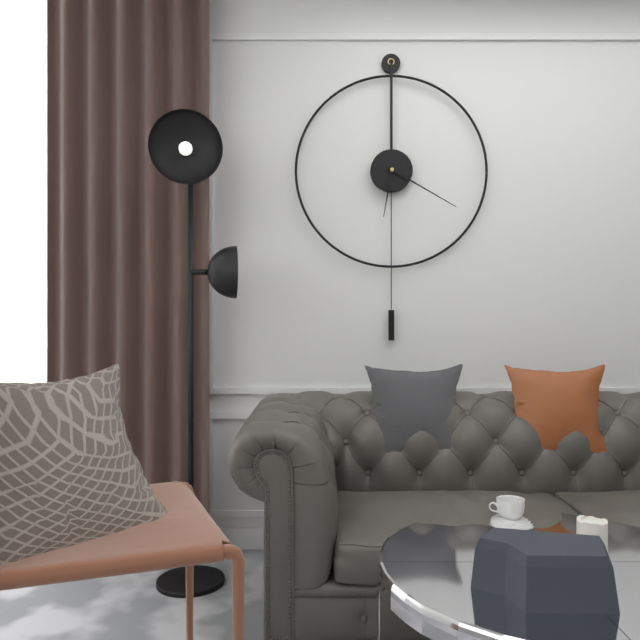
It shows 6h20
